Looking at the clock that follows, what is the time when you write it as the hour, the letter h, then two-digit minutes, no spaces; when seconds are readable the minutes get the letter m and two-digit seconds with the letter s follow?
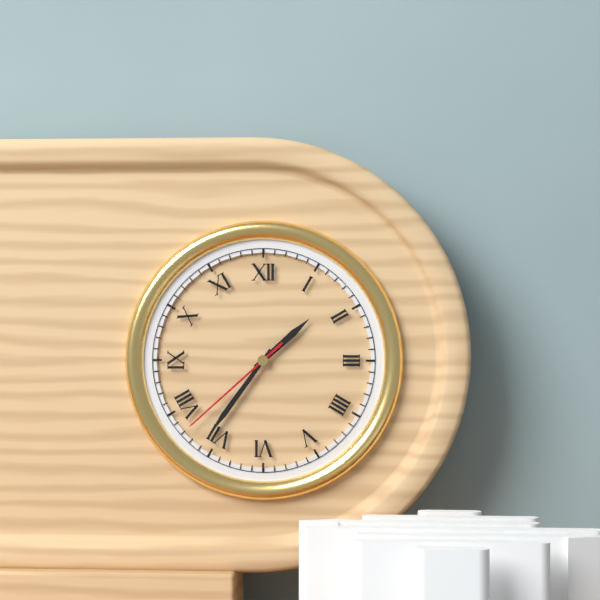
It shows 1h36m38s
